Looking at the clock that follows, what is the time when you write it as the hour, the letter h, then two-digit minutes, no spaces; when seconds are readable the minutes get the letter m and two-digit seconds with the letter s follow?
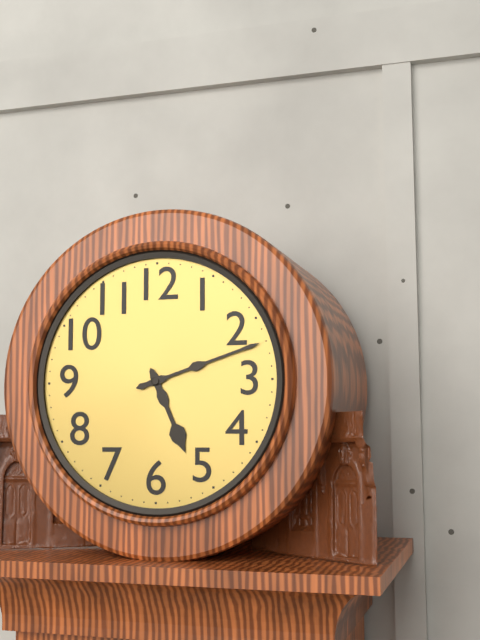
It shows 5h12
